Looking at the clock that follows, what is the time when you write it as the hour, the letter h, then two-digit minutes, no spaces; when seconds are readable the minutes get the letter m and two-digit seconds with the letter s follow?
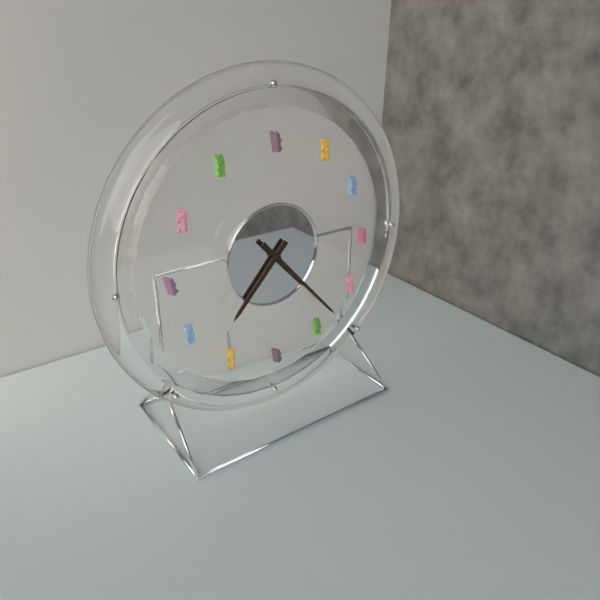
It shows 7h23
